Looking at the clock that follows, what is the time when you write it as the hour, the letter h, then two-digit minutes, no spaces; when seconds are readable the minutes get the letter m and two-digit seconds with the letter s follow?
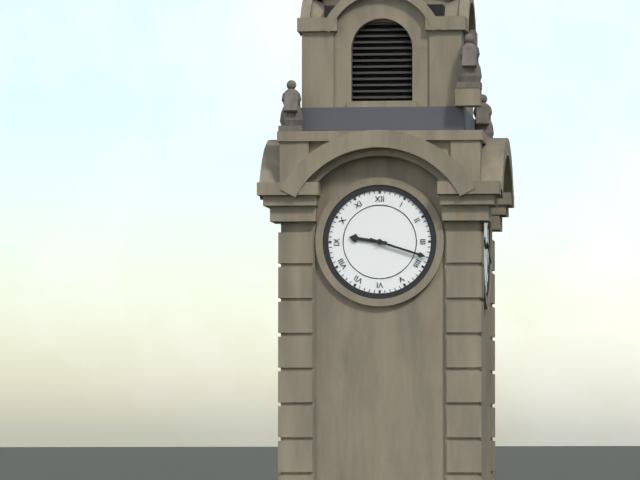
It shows 9h18
